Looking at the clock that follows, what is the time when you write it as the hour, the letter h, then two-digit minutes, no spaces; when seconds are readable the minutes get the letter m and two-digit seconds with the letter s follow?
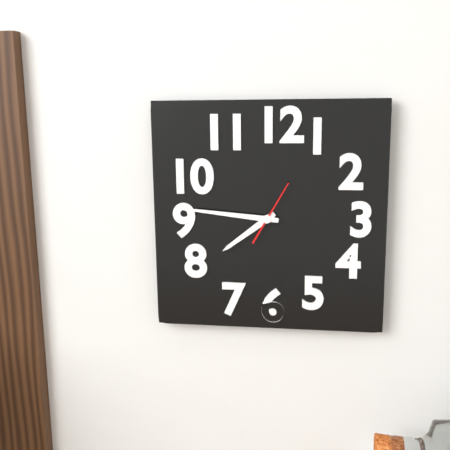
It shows 7h46m05s
